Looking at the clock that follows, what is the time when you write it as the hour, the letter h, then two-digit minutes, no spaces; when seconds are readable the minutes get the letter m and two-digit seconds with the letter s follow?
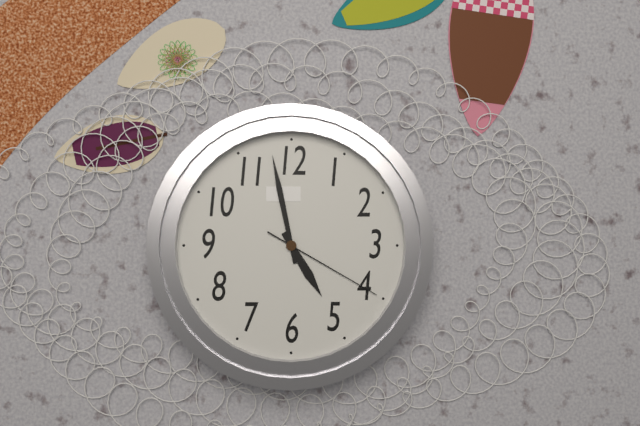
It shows 4h58m20s
